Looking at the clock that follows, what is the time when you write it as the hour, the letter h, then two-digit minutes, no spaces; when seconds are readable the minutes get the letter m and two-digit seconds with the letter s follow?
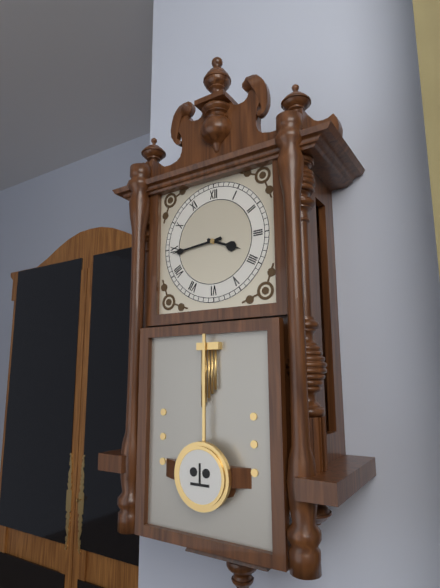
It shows 3h44
